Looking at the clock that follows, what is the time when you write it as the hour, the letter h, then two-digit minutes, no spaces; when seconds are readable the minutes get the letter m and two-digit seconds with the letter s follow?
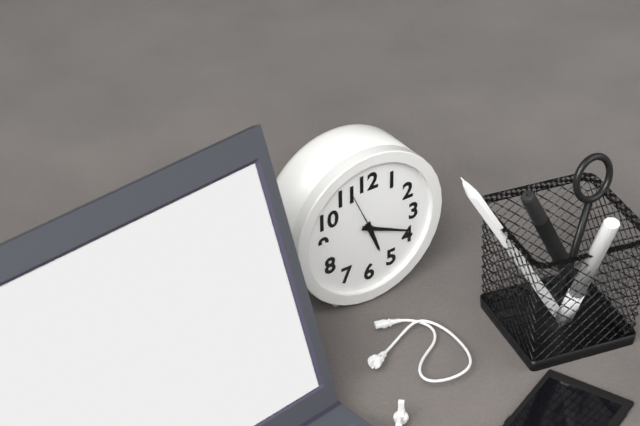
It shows 5h19
